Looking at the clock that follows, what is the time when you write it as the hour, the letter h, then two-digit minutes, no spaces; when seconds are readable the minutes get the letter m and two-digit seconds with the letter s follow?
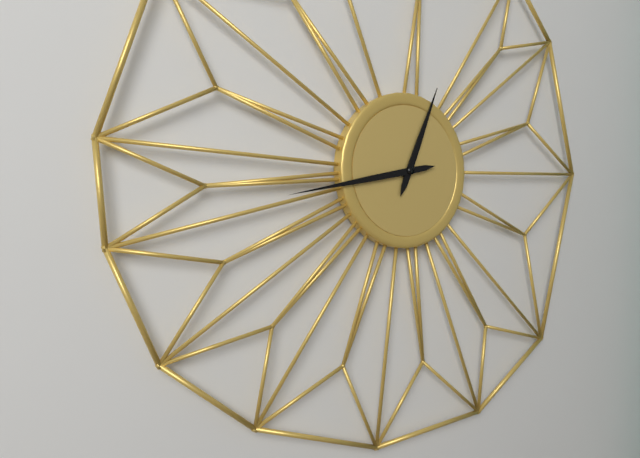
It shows 12h43
